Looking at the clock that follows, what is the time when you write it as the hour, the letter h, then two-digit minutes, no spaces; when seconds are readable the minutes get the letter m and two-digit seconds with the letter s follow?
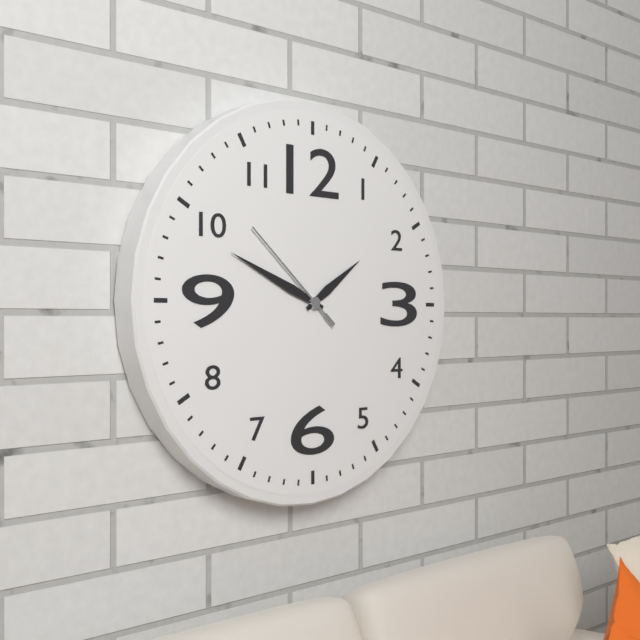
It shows 1h49m52s
